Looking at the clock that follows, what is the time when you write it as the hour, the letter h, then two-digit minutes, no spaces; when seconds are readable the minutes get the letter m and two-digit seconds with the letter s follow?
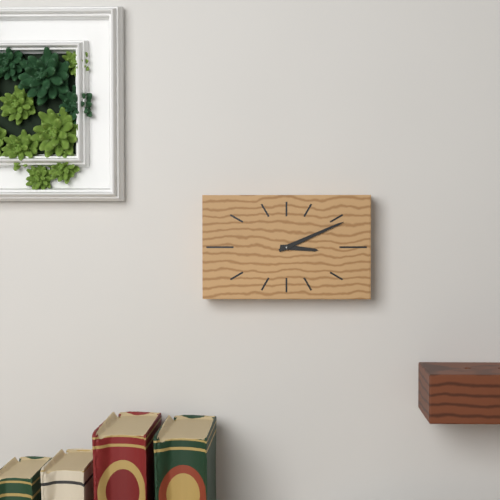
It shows 3h11
